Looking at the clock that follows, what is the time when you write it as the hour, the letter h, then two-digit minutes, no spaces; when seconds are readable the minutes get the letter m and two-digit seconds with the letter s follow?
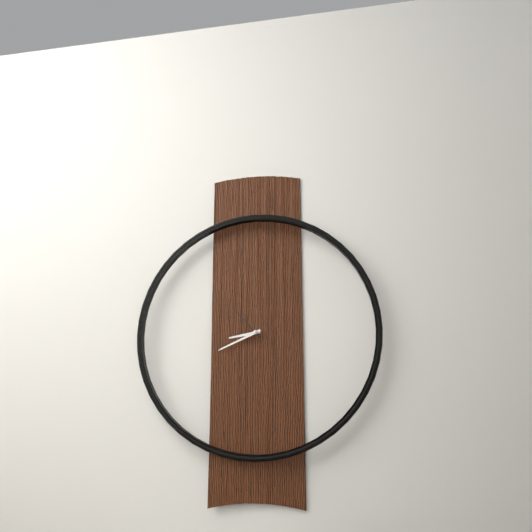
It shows 8h41
